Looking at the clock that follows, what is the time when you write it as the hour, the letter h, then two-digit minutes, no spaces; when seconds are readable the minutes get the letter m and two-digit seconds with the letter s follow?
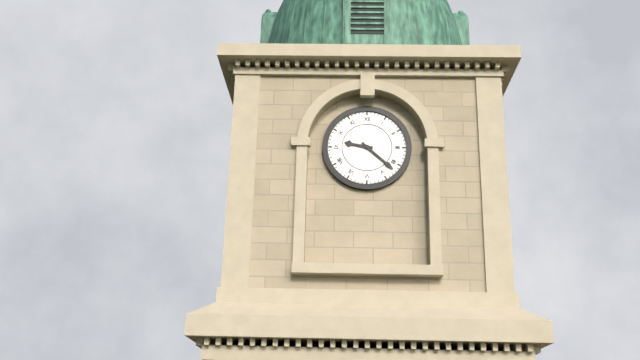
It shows 9h22
